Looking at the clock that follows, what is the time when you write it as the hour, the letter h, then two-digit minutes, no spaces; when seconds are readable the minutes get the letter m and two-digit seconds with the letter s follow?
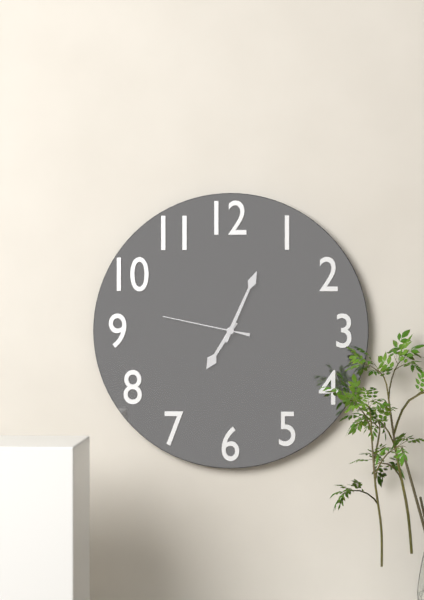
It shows 7h04m47s
